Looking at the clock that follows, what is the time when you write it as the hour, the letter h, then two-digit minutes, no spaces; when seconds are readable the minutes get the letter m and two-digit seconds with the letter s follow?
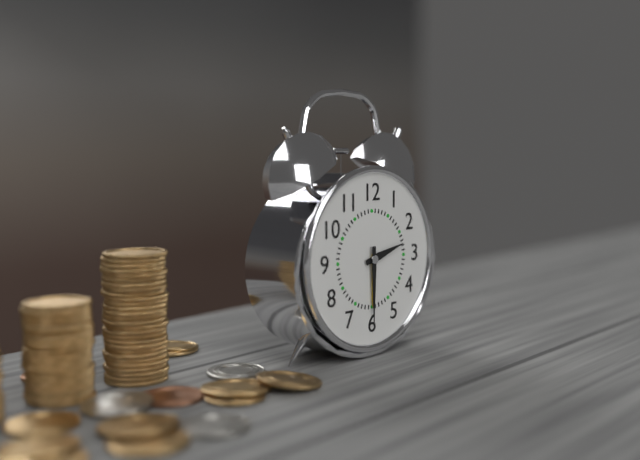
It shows 2h30
